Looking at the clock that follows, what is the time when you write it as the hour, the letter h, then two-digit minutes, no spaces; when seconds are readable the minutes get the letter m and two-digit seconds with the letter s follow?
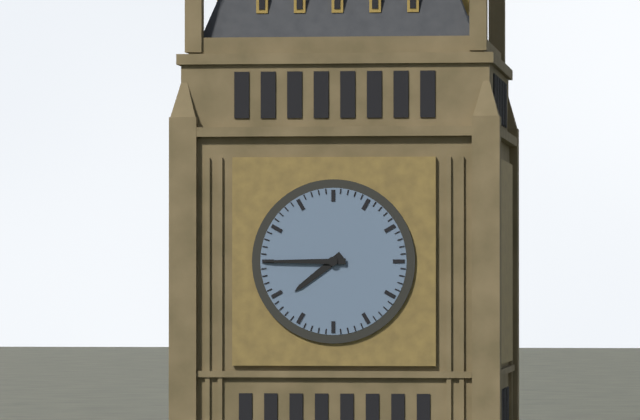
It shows 7h45
